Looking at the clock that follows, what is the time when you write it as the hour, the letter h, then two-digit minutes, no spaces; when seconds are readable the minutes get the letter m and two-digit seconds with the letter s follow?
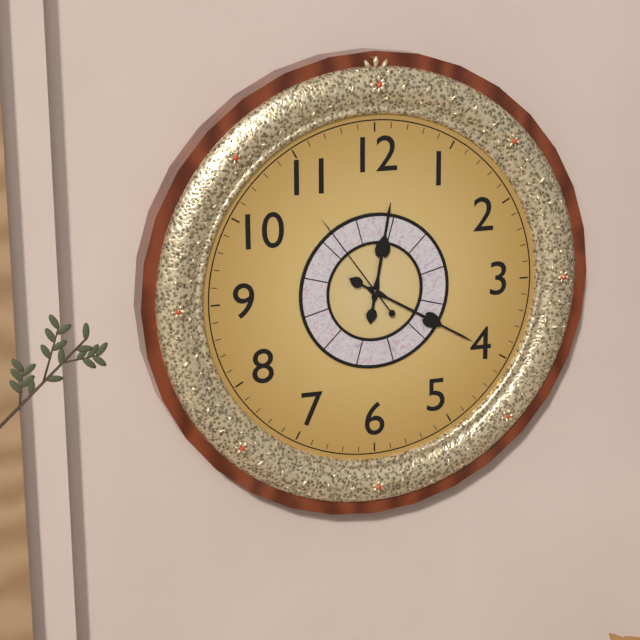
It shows 12h20m54s
